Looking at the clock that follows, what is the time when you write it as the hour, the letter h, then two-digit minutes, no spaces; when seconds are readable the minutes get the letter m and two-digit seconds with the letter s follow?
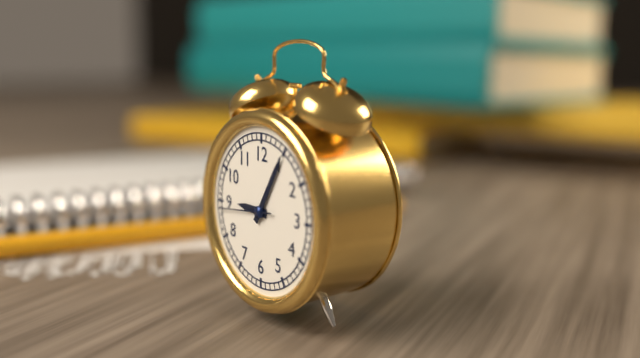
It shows 9h05m44s
